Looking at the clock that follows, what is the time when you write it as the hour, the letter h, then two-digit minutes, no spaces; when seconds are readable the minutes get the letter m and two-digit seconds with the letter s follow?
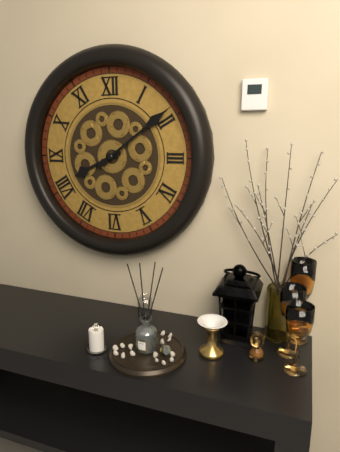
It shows 8h09
